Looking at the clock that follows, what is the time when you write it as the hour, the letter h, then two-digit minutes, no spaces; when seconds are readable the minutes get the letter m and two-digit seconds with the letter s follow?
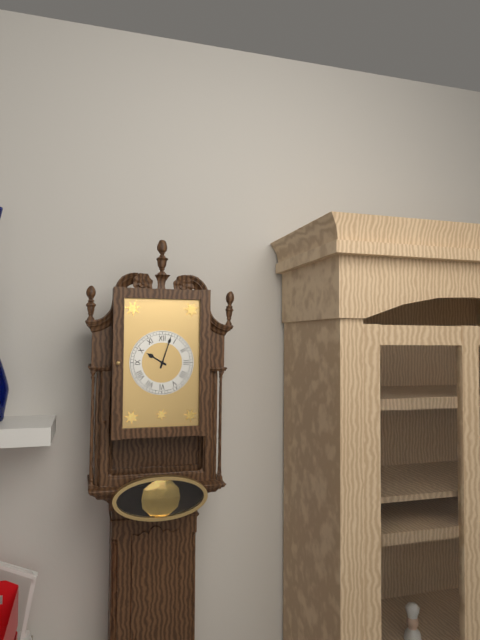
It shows 10h03
